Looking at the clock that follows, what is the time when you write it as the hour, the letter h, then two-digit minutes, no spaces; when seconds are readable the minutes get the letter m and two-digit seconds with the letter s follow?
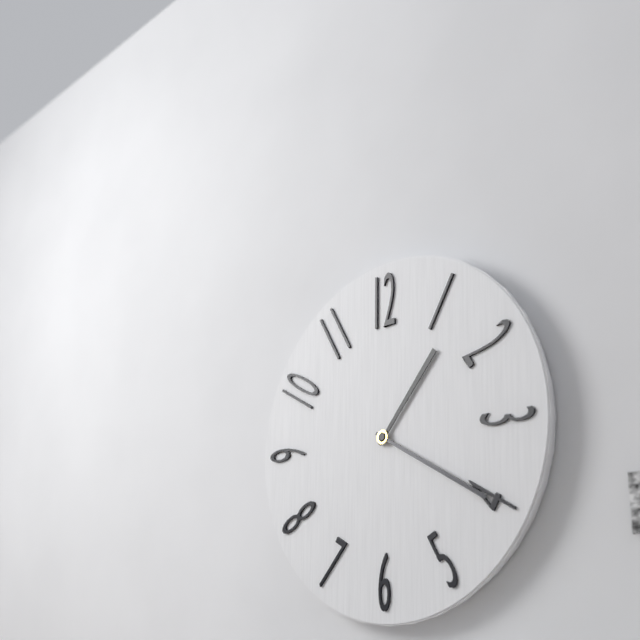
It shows 1h20
